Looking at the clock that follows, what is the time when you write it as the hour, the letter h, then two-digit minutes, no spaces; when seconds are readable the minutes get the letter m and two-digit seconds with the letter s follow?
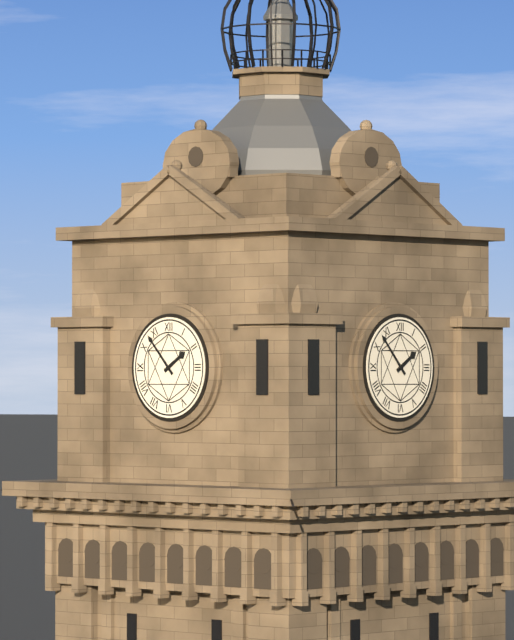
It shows 1h53
